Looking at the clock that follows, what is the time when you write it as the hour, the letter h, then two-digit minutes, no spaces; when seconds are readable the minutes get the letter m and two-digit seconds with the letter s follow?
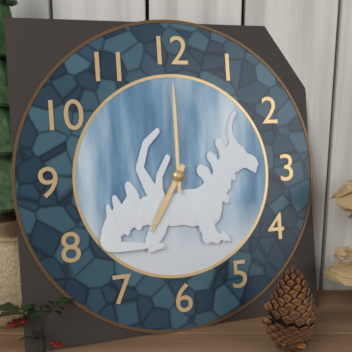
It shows 7h00
